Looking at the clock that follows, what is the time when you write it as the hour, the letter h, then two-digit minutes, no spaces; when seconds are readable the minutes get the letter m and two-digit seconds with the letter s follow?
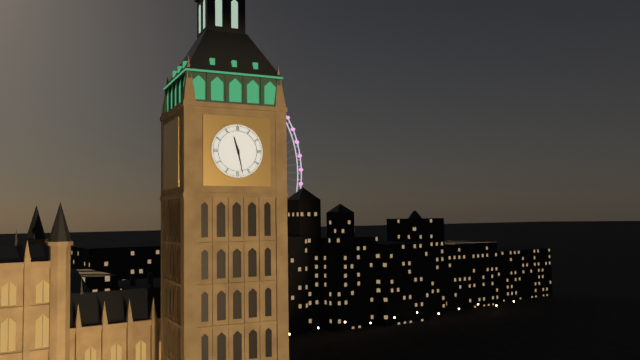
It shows 11h28
